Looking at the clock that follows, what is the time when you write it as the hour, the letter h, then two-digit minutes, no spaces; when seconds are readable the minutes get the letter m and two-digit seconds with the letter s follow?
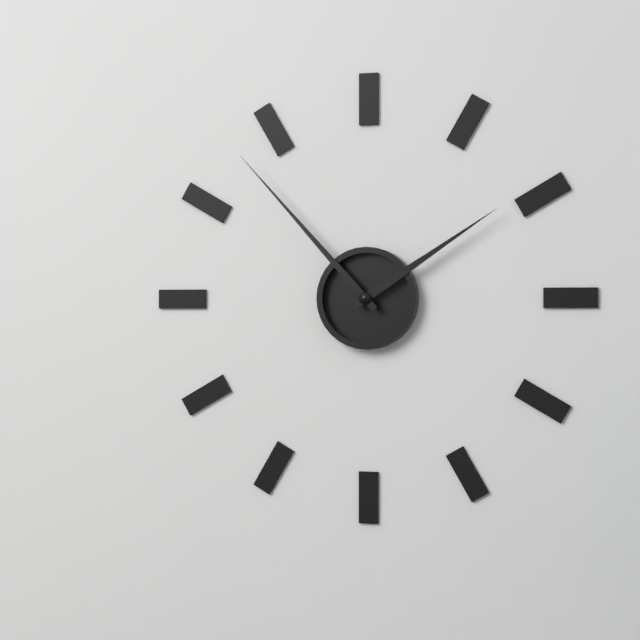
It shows 1h53
